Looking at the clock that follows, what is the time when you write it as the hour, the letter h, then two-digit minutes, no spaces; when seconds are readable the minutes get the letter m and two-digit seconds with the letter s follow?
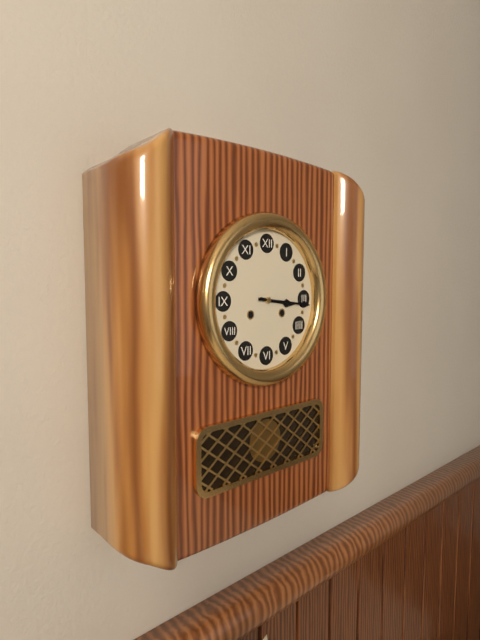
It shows 3h16
